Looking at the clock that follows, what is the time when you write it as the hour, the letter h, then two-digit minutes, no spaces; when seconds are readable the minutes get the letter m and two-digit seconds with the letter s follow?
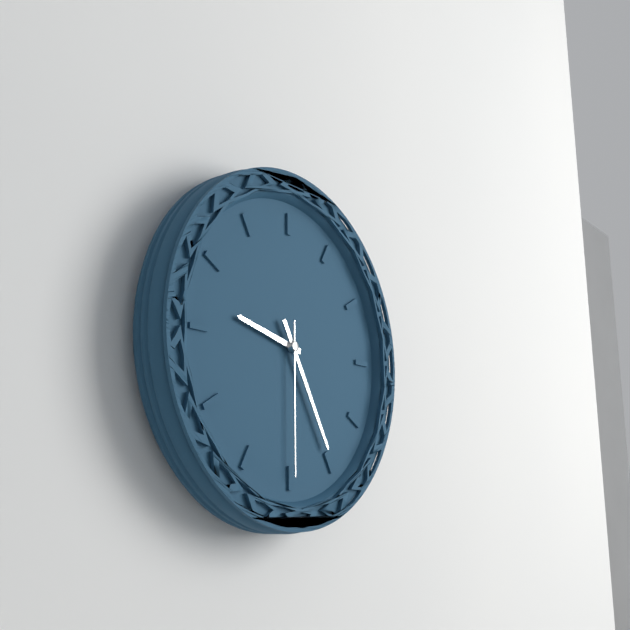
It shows 9h25m30s
